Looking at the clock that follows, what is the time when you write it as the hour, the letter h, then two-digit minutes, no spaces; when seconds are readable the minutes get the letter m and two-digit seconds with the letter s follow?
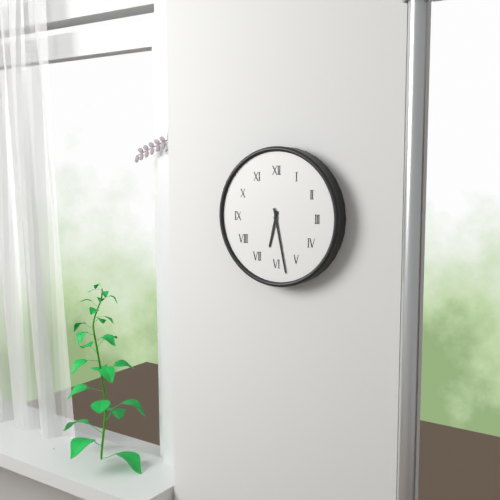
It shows 6h28
